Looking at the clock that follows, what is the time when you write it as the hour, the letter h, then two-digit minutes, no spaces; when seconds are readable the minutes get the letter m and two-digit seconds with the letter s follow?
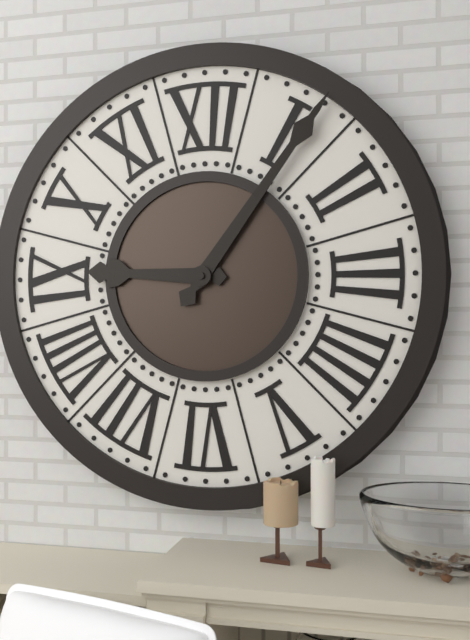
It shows 9h06
